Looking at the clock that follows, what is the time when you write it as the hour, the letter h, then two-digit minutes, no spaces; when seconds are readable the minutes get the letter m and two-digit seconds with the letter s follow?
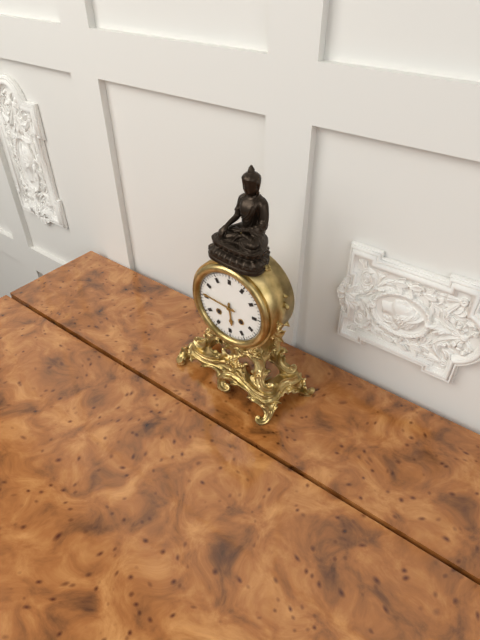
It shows 5h46
